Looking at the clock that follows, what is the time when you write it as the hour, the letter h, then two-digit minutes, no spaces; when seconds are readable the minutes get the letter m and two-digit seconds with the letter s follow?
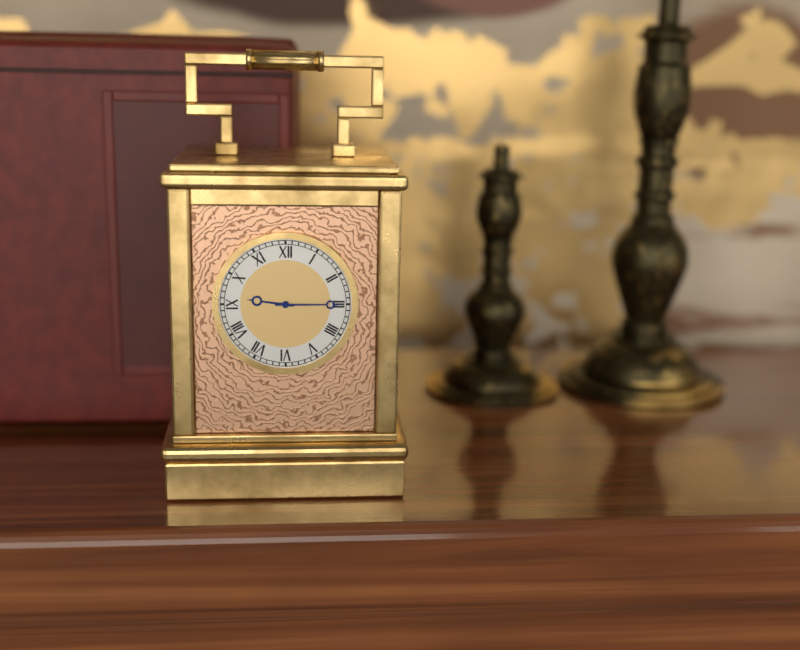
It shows 9h15
